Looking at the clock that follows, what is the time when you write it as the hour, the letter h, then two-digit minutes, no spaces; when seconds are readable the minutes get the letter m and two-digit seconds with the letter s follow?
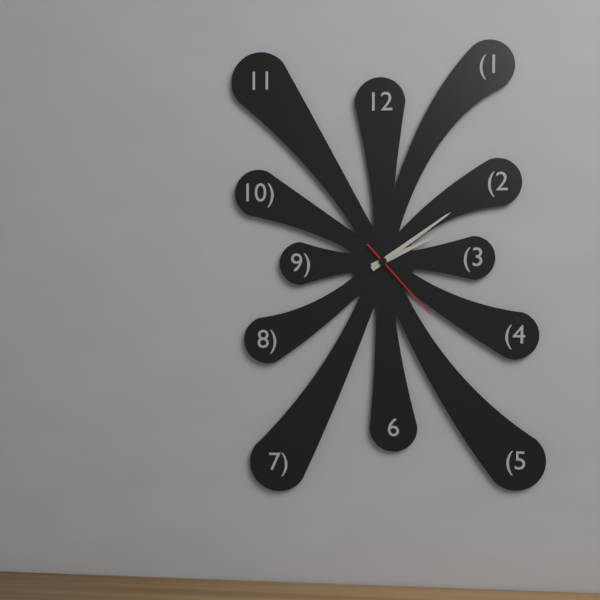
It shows 2h09m23s
